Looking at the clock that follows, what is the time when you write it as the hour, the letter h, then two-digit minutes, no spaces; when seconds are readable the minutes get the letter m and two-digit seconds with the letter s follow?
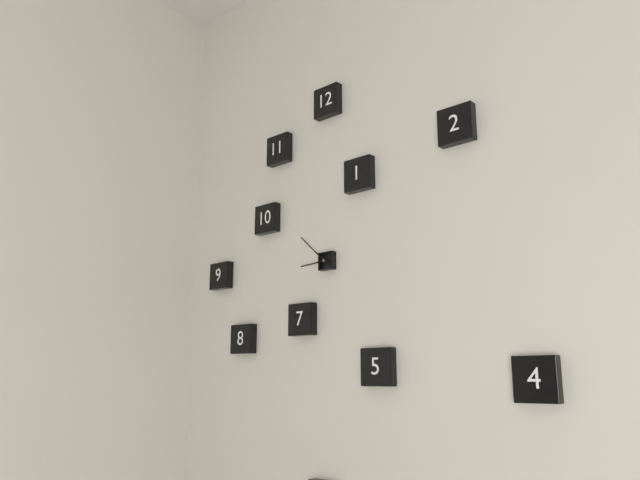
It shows 8h52
